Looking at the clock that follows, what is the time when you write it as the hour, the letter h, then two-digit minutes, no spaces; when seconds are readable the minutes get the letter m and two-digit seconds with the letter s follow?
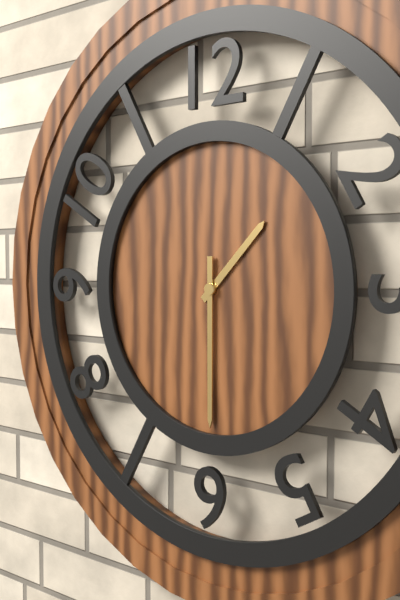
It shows 1h30
